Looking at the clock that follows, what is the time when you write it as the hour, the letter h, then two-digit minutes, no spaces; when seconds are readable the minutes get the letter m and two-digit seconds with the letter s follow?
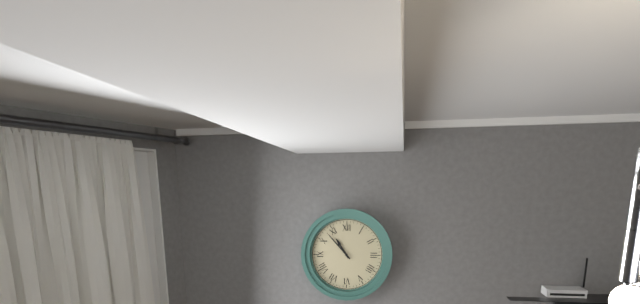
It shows 10h53
